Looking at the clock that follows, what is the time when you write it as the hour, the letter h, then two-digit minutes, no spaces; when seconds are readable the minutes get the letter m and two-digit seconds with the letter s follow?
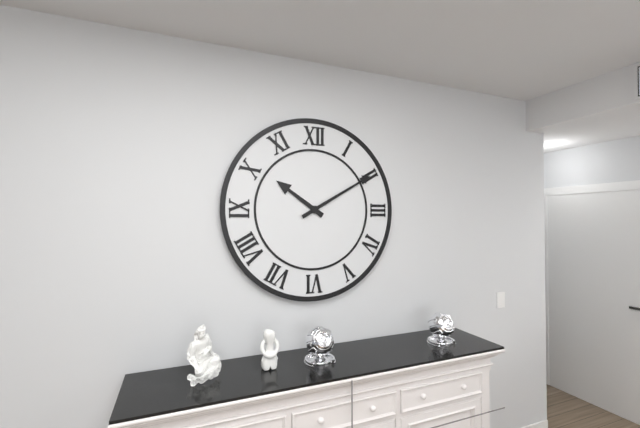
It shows 10h10
